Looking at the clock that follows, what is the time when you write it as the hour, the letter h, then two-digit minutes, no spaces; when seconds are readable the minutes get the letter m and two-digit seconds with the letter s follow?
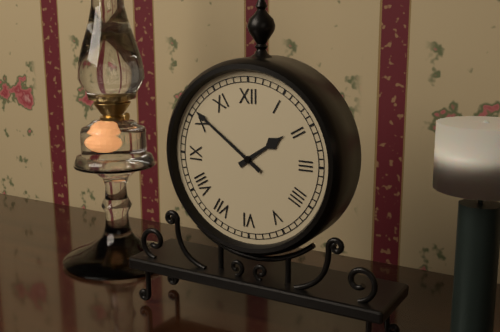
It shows 1h51
